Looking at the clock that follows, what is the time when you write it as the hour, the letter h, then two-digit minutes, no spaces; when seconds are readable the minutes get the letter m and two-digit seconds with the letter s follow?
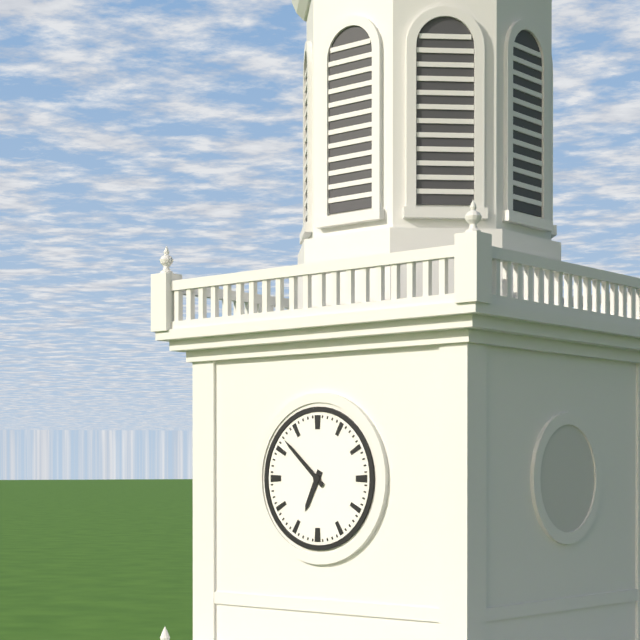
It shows 6h52
